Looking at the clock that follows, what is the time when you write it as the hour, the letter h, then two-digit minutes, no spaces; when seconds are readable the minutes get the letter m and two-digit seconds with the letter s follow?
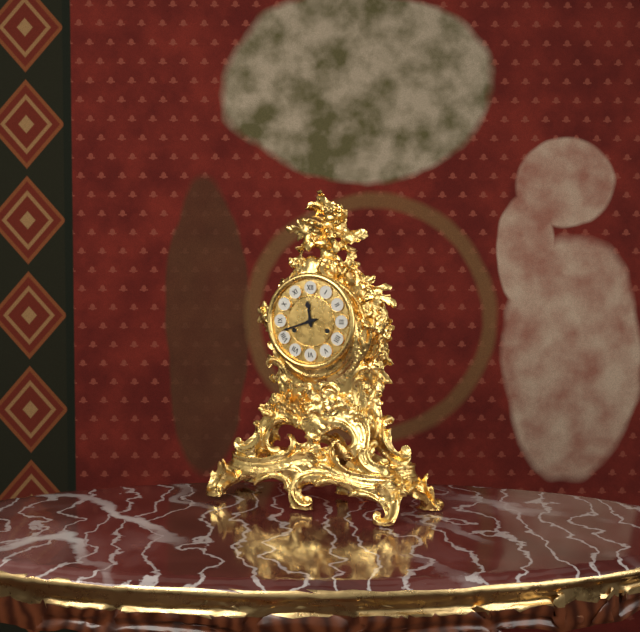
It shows 11h42
